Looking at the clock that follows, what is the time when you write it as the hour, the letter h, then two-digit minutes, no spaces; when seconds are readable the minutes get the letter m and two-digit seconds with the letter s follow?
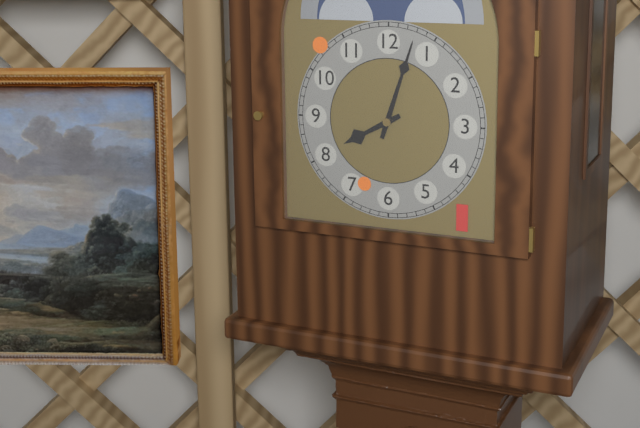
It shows 8h03
